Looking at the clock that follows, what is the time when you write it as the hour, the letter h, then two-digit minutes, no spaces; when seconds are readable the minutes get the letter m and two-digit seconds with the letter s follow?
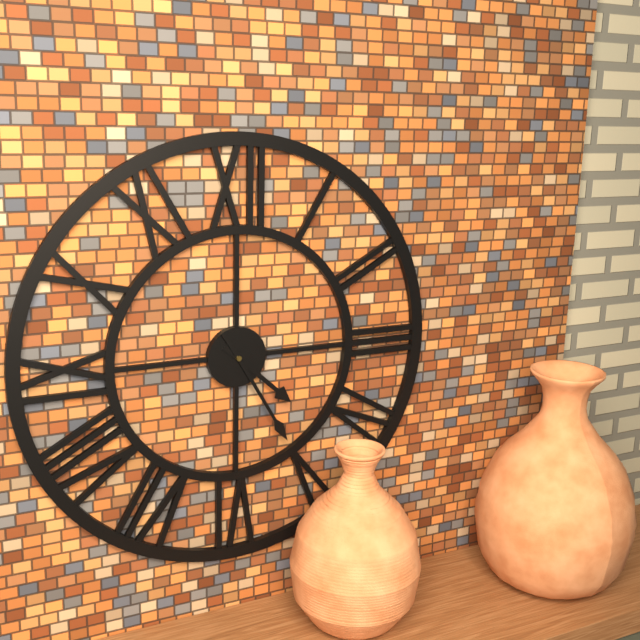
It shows 4h25
